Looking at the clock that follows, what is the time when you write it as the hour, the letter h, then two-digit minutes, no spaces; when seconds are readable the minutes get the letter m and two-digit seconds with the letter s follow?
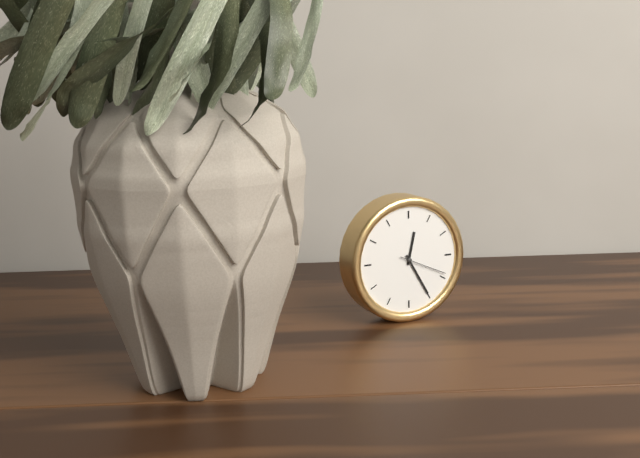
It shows 12h25
